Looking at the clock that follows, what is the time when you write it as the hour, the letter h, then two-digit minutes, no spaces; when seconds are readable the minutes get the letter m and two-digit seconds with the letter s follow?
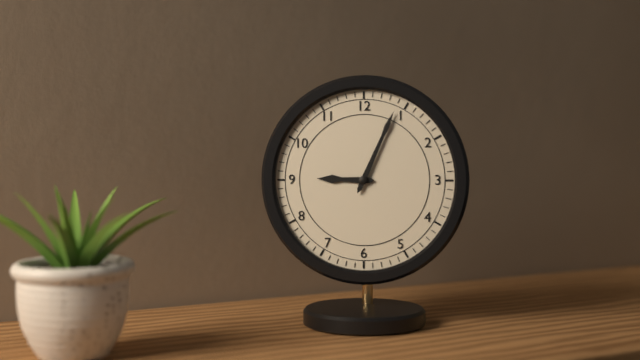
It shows 9h04
